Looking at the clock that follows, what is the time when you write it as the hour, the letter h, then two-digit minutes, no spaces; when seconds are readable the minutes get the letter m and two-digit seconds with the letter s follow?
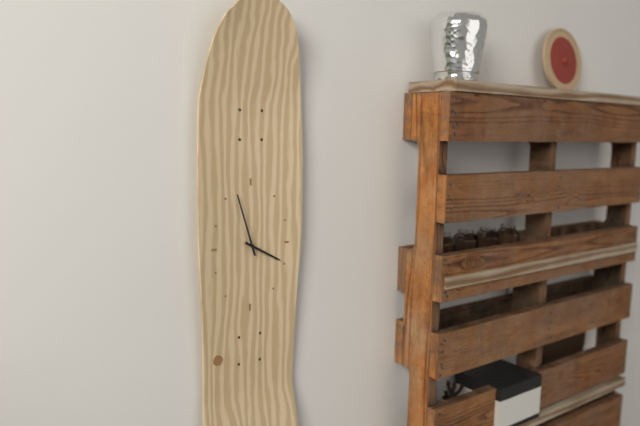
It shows 3h57
